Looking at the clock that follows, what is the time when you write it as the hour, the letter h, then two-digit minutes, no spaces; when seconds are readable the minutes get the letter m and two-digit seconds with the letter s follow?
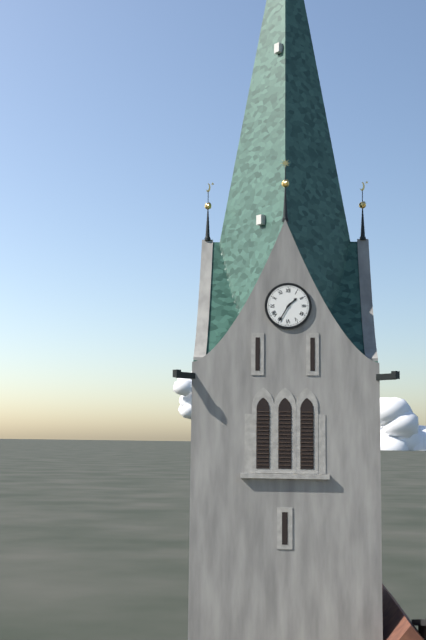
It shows 1h35
